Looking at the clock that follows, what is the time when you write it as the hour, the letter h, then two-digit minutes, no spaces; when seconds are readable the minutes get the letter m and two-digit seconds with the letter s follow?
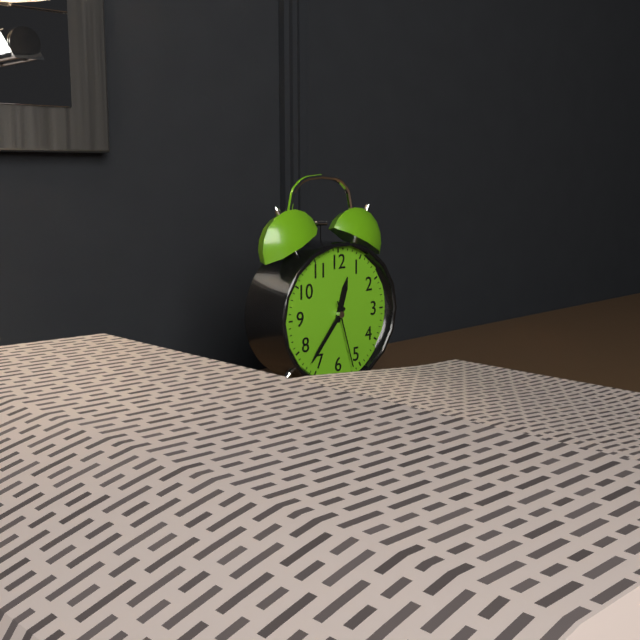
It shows 12h37m27s
